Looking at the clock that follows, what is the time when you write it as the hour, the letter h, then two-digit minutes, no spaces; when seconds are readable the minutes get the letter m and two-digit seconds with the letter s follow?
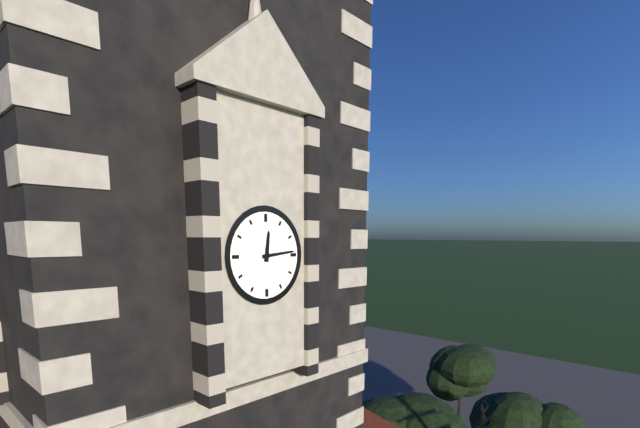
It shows 12h14
